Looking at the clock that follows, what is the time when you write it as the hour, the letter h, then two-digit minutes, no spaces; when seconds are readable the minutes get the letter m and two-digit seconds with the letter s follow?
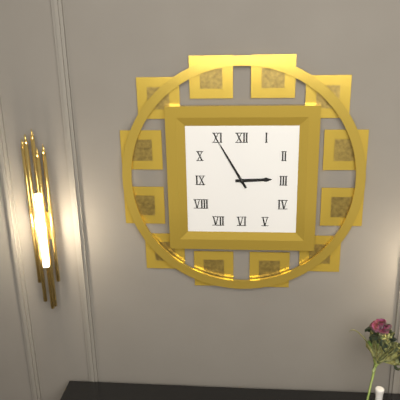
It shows 2h55
